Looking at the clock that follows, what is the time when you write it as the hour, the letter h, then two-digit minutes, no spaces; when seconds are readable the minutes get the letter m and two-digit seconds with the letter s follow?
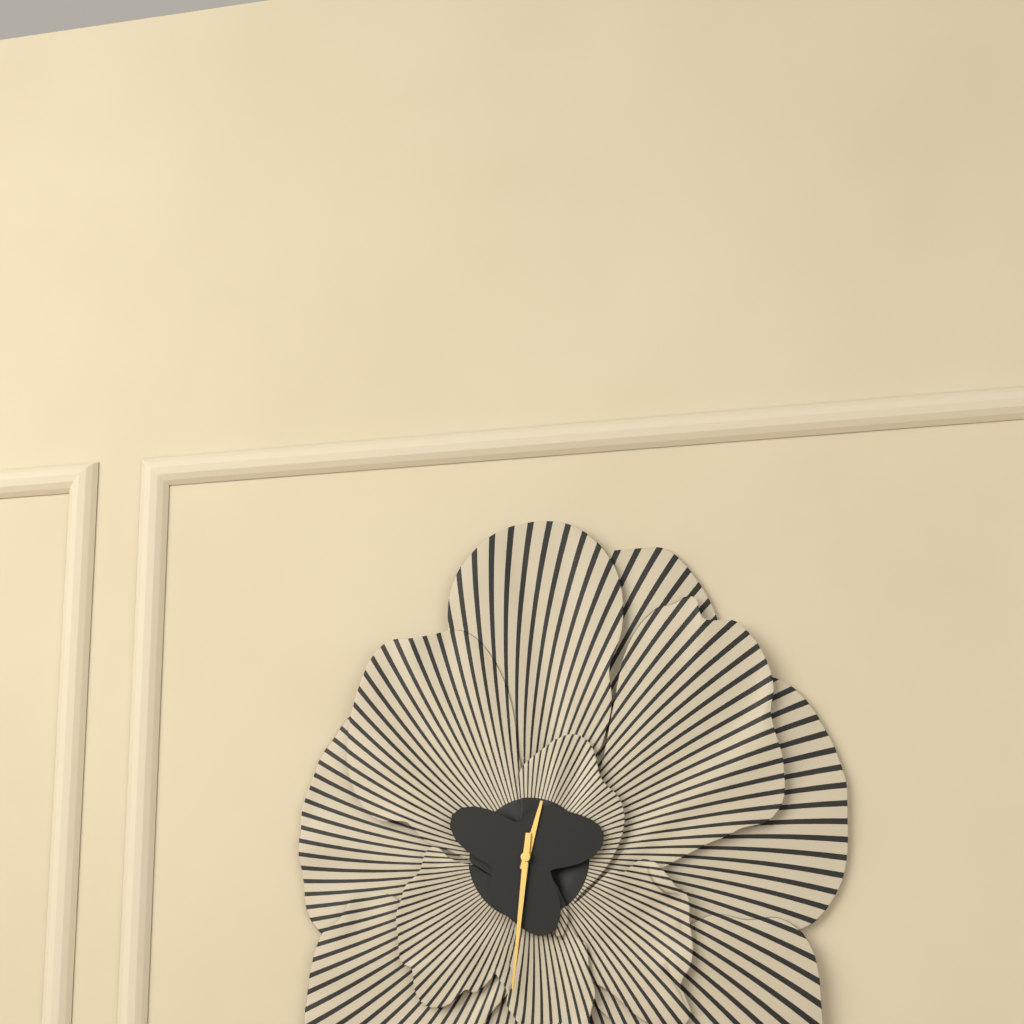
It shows 12h31
